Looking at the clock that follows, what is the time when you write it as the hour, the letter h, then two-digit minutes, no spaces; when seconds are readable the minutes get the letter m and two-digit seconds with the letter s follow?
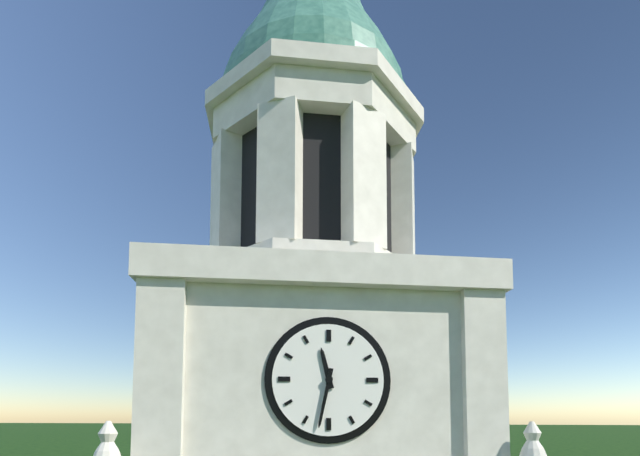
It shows 11h32
